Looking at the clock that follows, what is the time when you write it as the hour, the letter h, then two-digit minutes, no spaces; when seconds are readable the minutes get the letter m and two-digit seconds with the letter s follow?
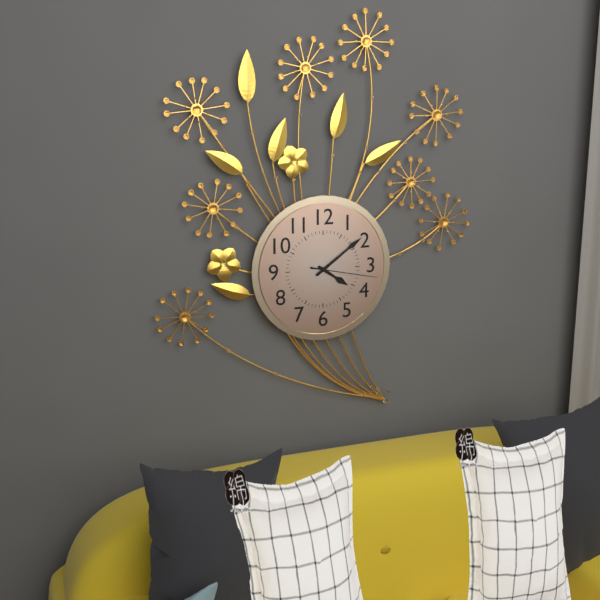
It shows 4h09m17s
